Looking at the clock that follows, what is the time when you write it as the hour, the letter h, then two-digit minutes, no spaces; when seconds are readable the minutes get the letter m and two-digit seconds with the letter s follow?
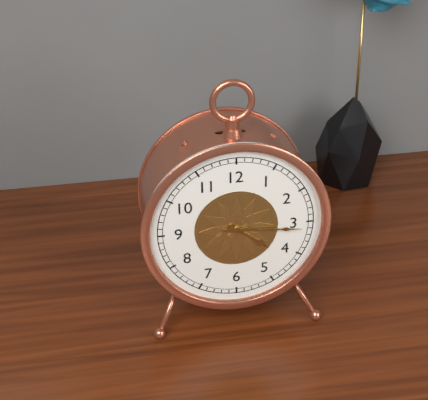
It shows 4h16
